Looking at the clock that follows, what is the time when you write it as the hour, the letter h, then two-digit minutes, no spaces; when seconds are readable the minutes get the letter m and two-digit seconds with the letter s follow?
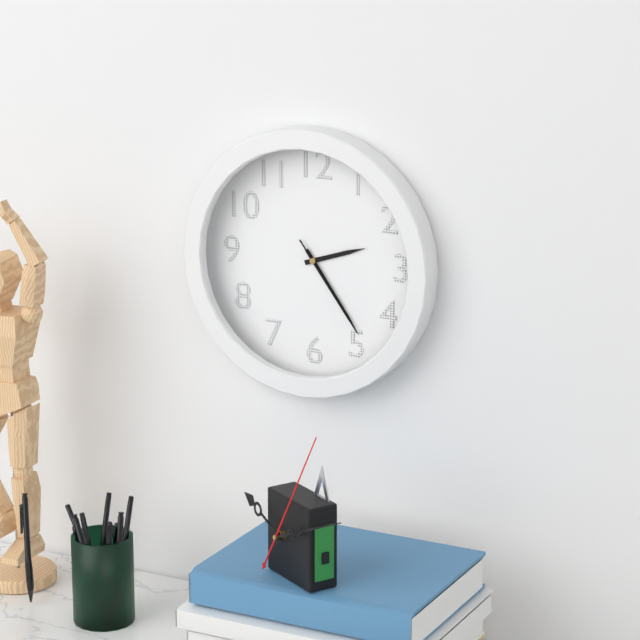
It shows 2h24m24s
